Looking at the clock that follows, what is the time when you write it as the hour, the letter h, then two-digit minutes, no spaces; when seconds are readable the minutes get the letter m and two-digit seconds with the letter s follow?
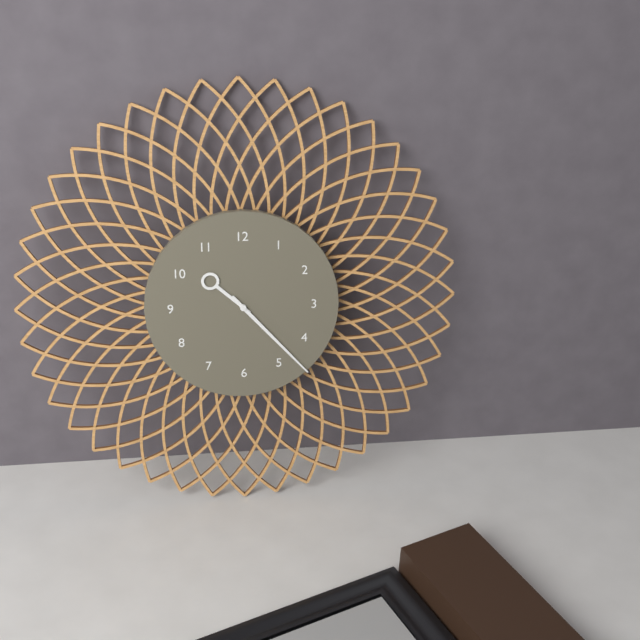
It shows 10h23
